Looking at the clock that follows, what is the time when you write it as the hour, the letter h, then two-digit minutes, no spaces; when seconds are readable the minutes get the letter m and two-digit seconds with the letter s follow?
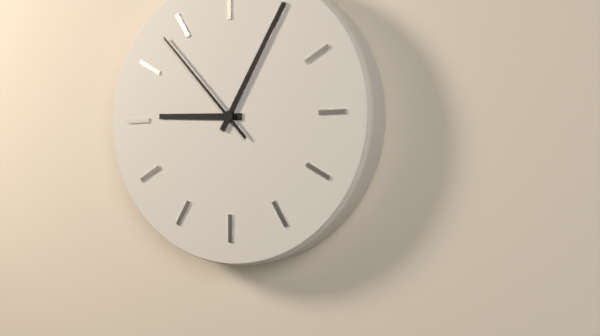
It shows 9h05m53s
